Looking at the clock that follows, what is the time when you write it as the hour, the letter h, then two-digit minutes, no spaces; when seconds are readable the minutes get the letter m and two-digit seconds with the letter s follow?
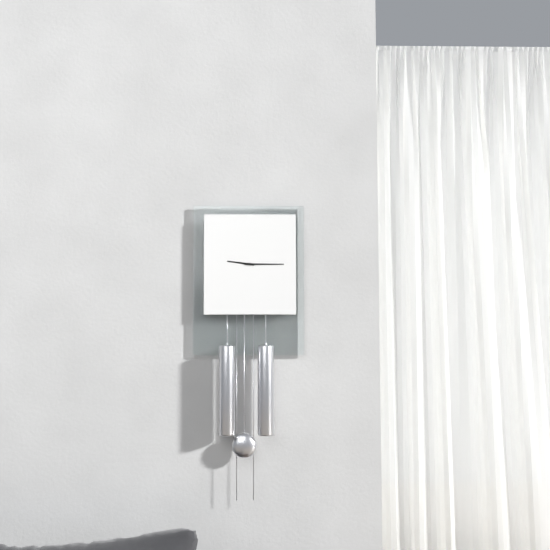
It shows 9h15
